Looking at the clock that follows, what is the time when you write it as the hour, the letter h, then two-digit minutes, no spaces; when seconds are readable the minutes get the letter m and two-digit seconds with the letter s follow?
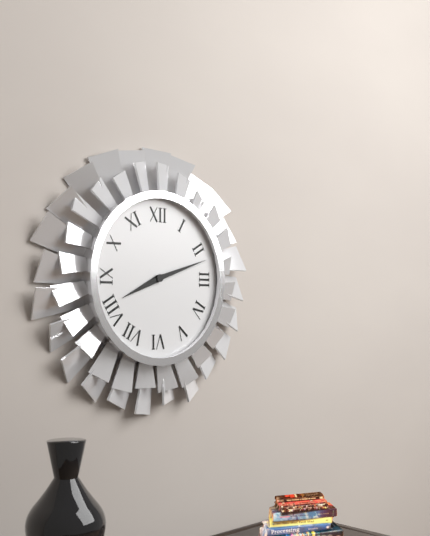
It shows 8h12
